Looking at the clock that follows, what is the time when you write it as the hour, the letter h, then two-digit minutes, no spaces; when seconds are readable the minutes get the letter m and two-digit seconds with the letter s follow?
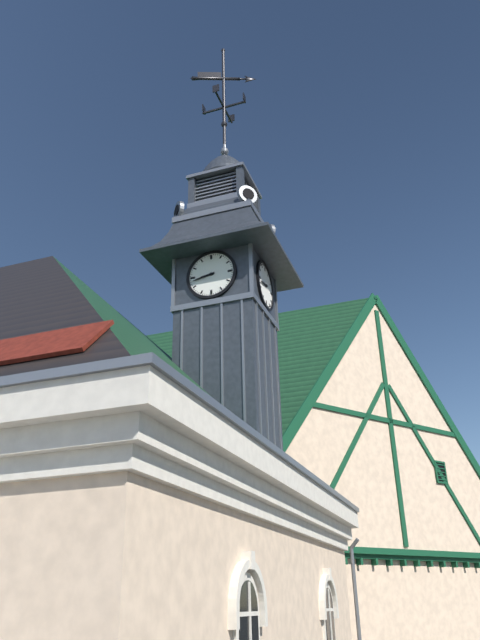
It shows 8h43
